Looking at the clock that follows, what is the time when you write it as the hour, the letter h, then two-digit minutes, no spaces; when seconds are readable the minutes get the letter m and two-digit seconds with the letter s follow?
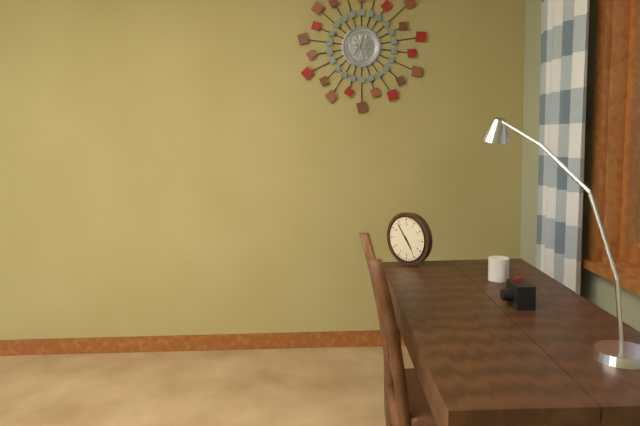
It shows 4h54
